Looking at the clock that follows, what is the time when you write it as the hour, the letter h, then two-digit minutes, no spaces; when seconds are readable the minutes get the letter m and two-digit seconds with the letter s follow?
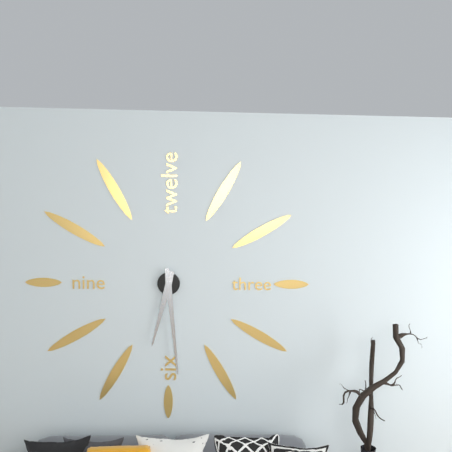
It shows 6h29
